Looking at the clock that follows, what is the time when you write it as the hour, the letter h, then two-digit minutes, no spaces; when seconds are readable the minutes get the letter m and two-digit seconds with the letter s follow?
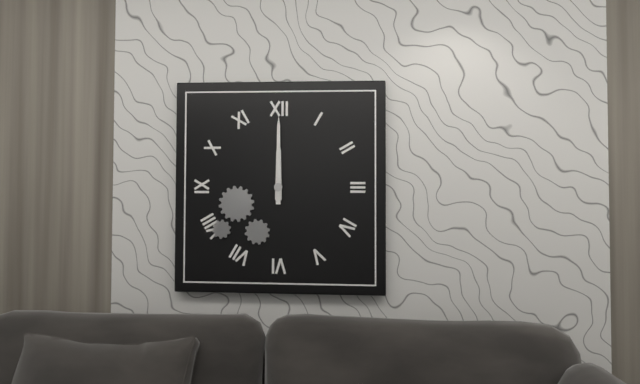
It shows 12h00
